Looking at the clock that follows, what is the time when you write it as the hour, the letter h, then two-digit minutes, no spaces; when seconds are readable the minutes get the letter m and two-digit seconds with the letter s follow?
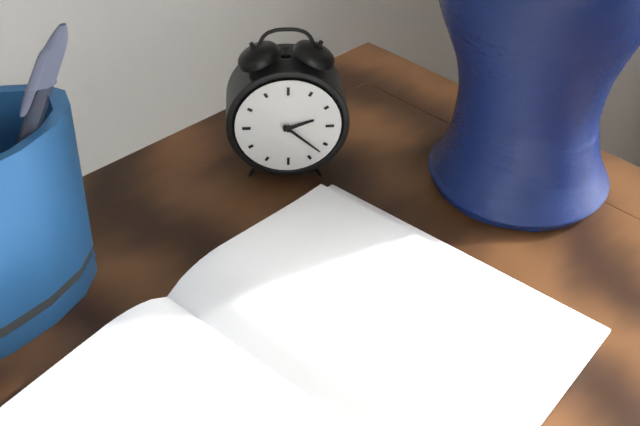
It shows 2h22
